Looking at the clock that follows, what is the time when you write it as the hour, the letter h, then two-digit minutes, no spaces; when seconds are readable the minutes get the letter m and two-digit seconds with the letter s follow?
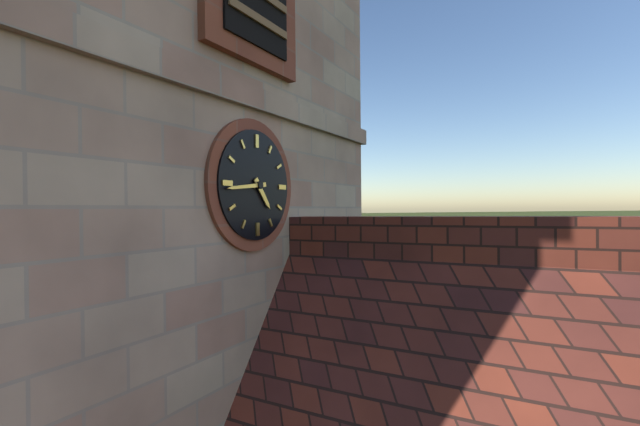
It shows 4h44
